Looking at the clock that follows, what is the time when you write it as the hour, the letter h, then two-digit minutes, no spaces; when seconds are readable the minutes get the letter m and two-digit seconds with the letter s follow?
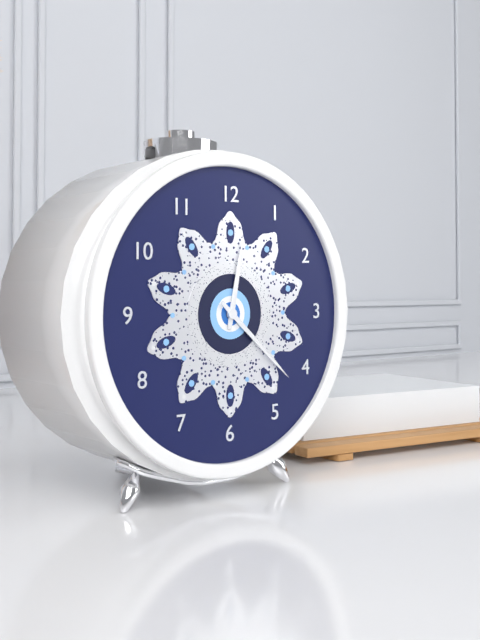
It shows 12h22
